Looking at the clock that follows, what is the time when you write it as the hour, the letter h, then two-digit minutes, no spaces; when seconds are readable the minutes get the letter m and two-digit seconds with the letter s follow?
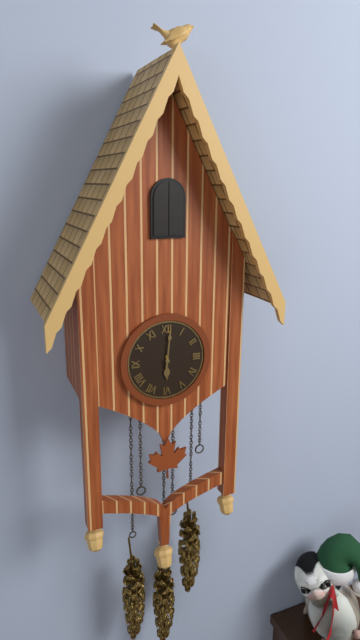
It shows 6h01
